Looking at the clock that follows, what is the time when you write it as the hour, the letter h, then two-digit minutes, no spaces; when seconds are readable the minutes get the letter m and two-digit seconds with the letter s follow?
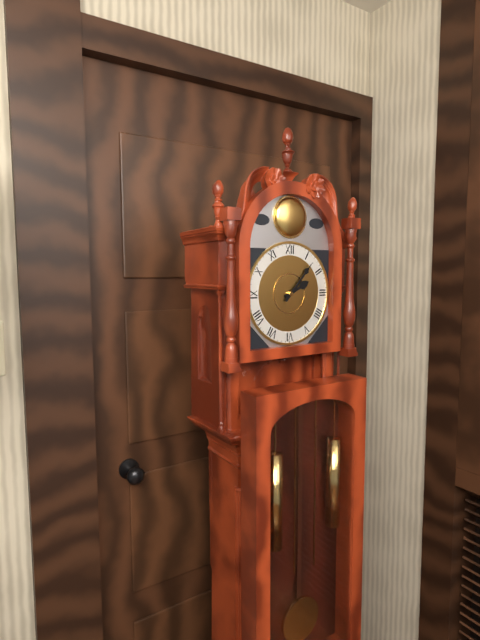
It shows 2h07
